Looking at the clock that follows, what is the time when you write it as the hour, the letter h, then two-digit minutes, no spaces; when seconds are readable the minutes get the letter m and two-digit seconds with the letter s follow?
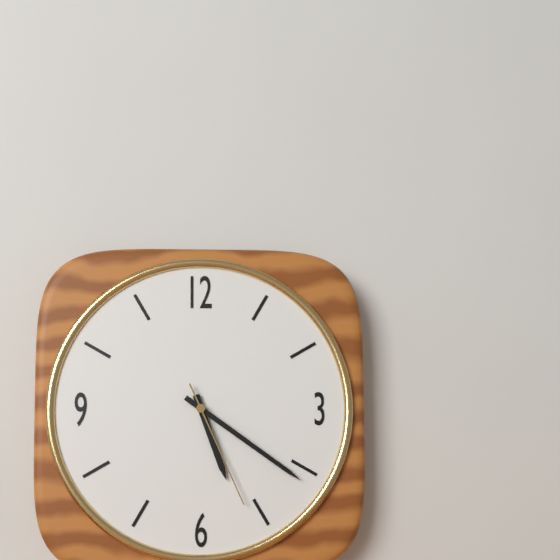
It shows 5h21m26s
